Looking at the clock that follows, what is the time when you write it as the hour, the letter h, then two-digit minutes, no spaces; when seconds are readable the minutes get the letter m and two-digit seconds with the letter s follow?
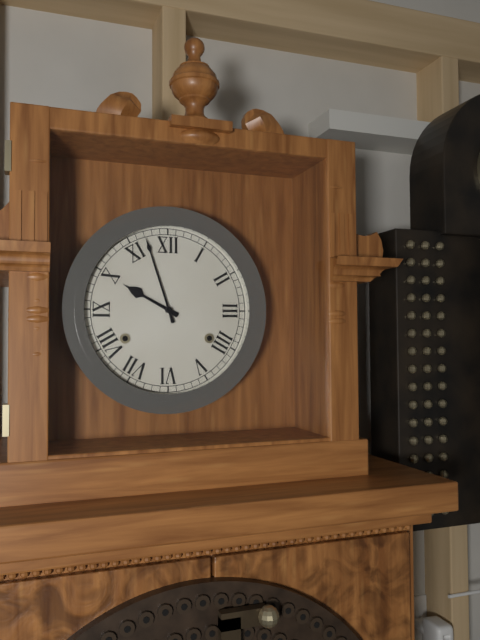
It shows 9h57
